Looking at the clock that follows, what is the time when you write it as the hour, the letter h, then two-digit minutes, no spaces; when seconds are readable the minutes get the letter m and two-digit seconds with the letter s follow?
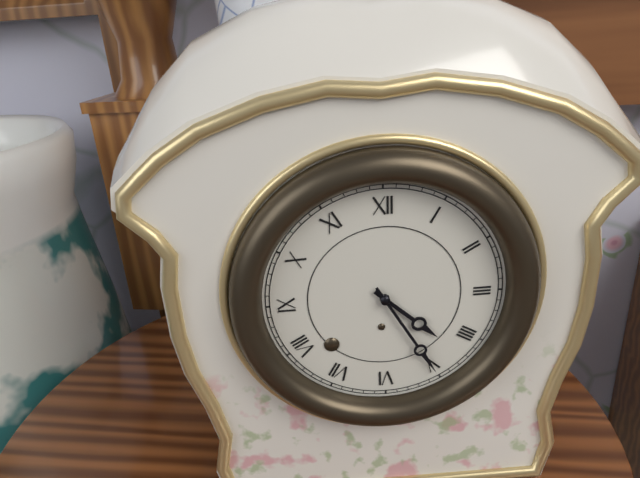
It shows 4h25
